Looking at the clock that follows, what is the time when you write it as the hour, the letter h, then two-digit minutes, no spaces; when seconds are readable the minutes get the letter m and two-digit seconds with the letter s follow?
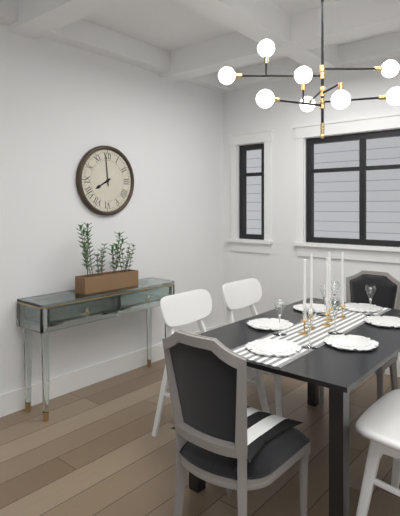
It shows 7h59
